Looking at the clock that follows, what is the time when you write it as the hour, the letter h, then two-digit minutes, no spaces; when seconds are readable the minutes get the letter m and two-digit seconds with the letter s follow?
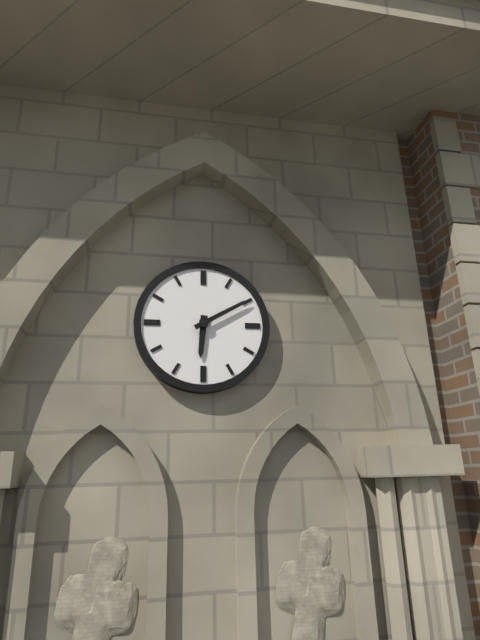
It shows 6h10
